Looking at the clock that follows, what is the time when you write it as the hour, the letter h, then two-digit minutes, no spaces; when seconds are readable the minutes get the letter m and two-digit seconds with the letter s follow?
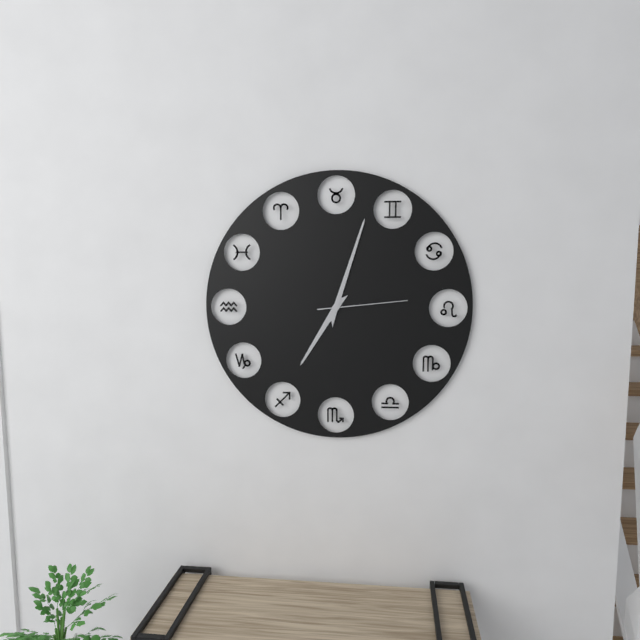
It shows 7h03m14s
